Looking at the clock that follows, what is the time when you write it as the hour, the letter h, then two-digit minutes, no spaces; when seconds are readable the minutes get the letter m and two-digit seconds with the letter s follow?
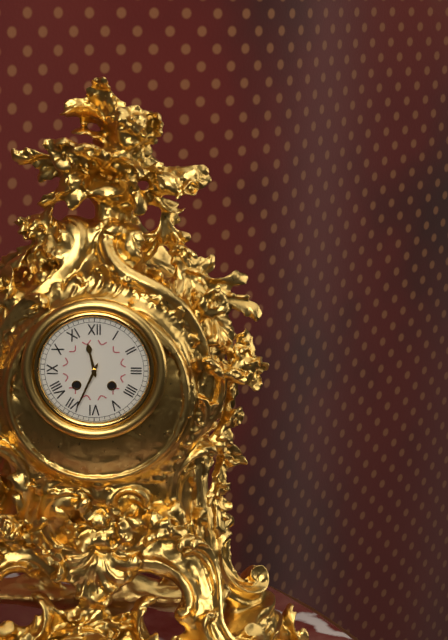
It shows 11h34
